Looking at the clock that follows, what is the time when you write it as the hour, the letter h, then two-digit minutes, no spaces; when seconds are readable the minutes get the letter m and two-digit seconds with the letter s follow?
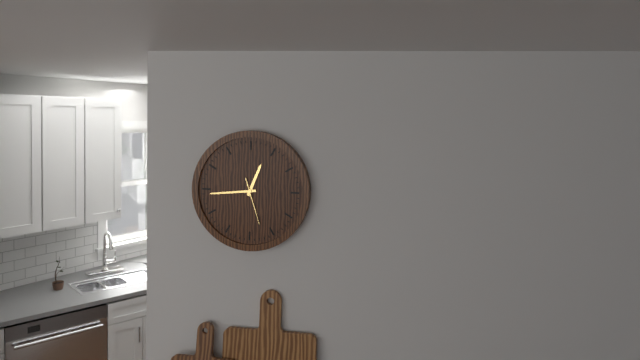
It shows 12h44
